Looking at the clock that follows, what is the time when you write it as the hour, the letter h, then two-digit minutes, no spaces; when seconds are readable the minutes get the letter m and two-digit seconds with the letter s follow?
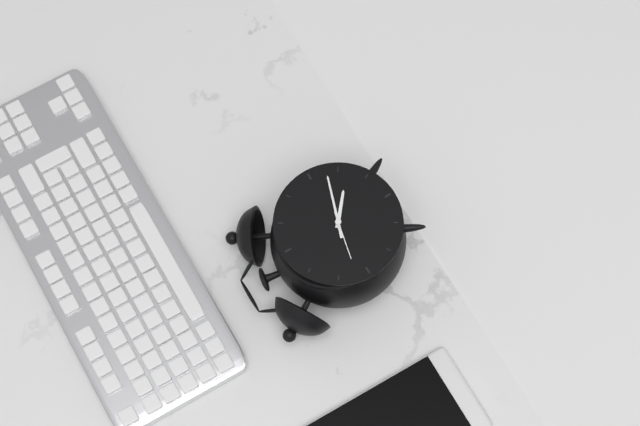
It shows 4h18
